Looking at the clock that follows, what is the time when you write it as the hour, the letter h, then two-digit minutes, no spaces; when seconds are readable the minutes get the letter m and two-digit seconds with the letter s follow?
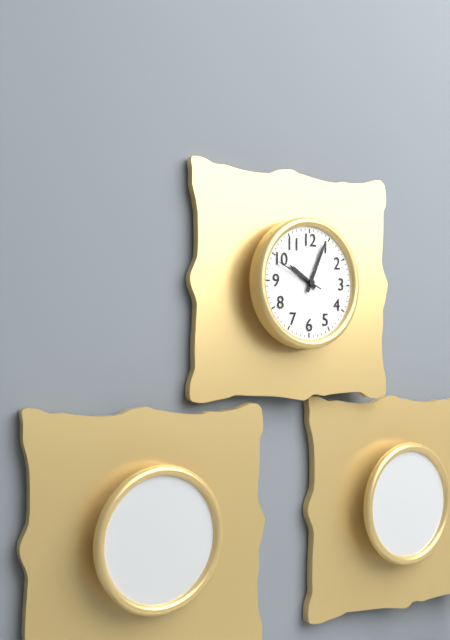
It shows 10h04m49s
